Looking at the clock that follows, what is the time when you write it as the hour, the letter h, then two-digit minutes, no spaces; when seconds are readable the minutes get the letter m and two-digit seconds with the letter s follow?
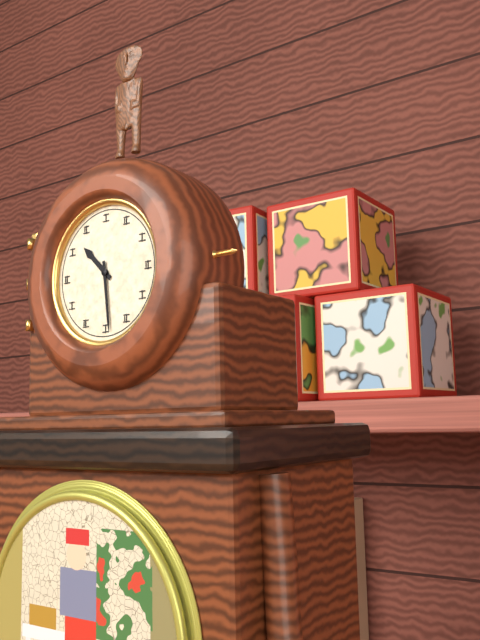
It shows 10h29
